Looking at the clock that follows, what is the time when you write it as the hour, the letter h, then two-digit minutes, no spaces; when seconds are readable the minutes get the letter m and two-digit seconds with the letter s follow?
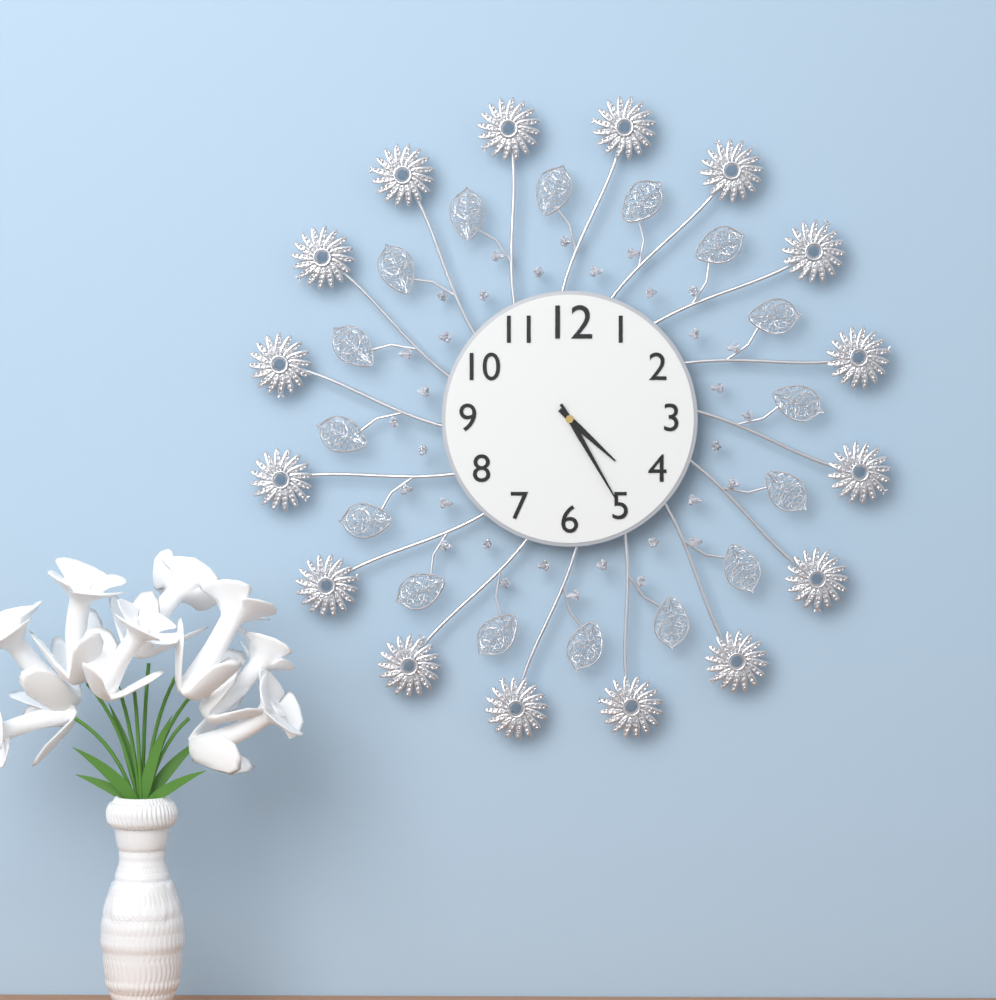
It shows 4h25
